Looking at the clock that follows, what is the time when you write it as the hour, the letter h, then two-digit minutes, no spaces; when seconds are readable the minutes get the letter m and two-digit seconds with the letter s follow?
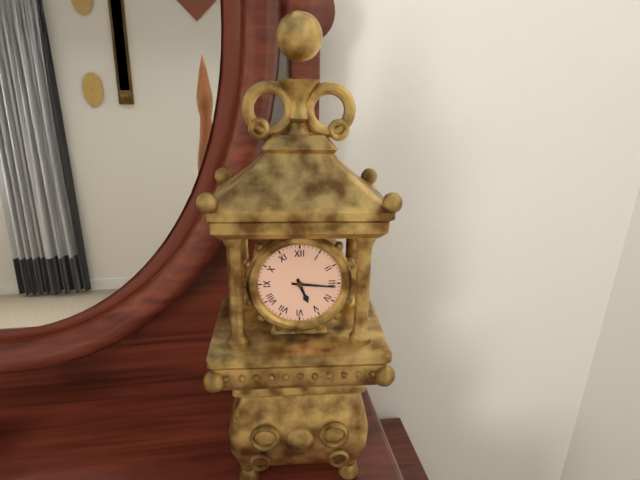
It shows 5h16
